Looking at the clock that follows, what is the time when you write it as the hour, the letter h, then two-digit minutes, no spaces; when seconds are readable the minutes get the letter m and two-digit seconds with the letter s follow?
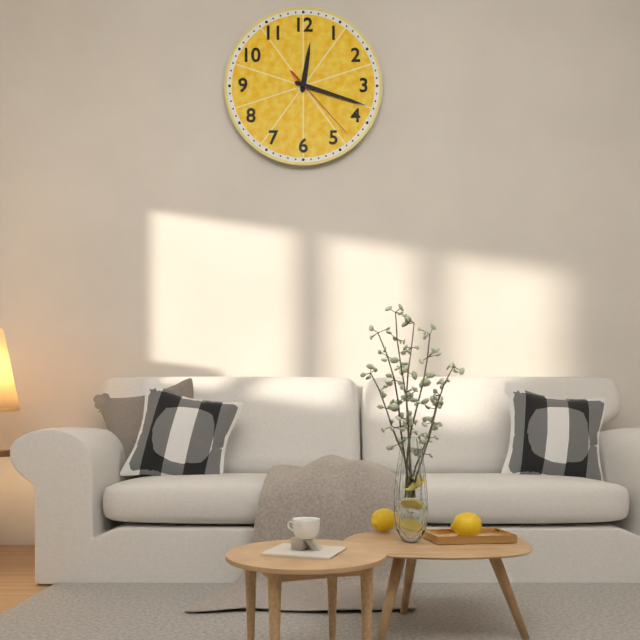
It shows 12h18m23s
